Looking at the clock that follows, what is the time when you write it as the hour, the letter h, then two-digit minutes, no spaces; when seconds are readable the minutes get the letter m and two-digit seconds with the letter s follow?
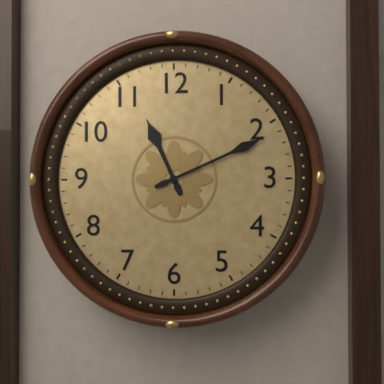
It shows 11h11
